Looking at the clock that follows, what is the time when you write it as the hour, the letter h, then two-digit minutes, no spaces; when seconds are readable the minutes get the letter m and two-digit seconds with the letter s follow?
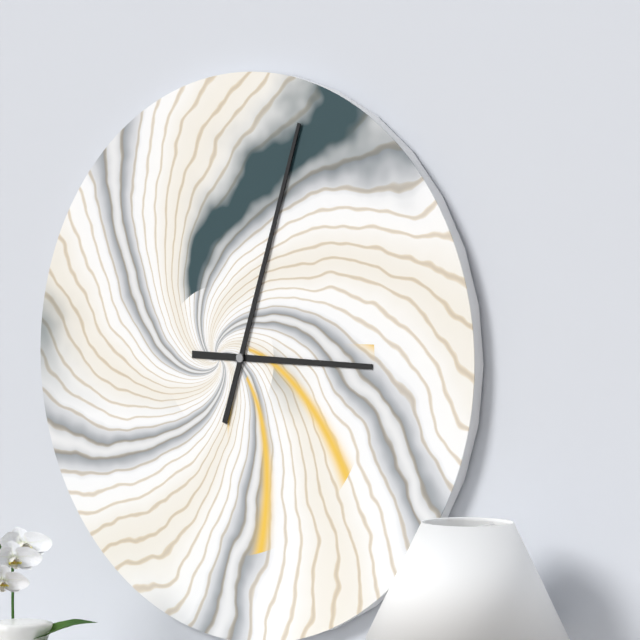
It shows 3h03
